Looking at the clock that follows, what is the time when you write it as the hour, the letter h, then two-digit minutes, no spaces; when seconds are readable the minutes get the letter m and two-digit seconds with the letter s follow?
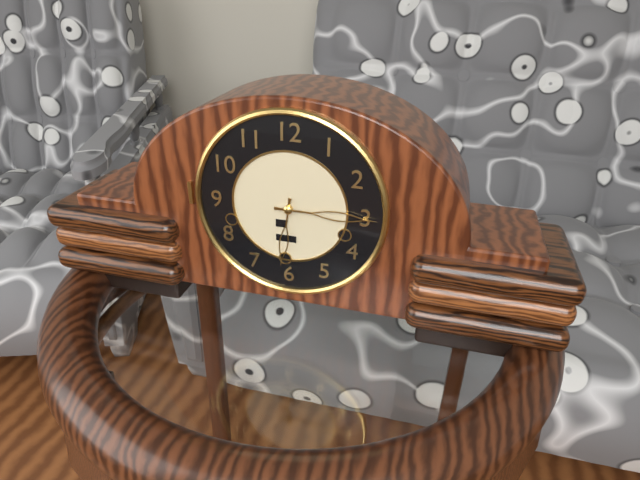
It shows 6h15
